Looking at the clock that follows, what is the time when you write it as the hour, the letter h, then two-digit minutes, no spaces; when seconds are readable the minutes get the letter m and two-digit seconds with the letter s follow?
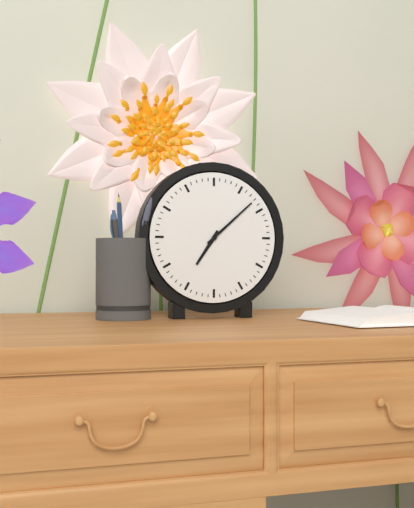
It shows 7h08
